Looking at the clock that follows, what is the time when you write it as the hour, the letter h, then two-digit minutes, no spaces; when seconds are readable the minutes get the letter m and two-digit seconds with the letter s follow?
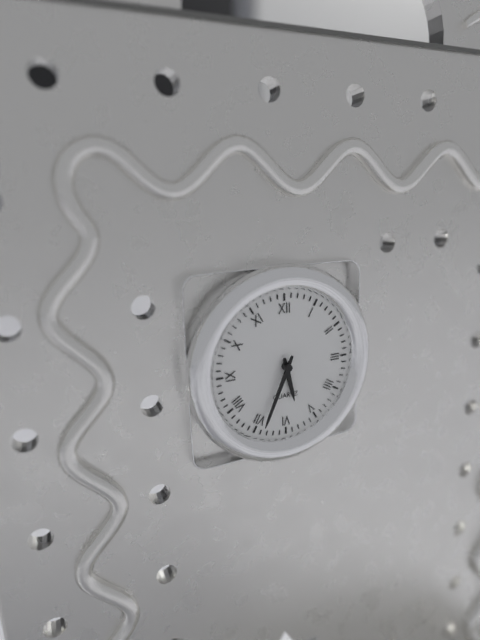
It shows 5h34
